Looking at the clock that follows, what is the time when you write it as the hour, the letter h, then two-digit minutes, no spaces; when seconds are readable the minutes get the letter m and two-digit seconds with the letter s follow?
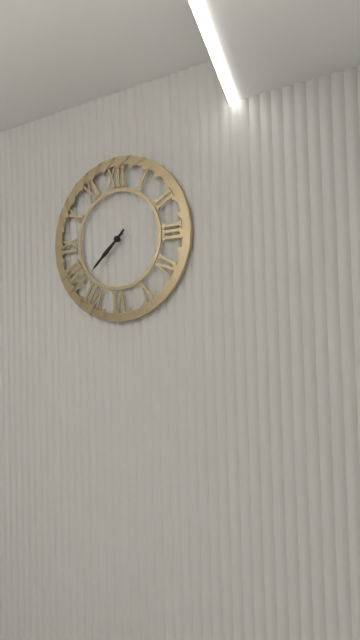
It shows 7h38
